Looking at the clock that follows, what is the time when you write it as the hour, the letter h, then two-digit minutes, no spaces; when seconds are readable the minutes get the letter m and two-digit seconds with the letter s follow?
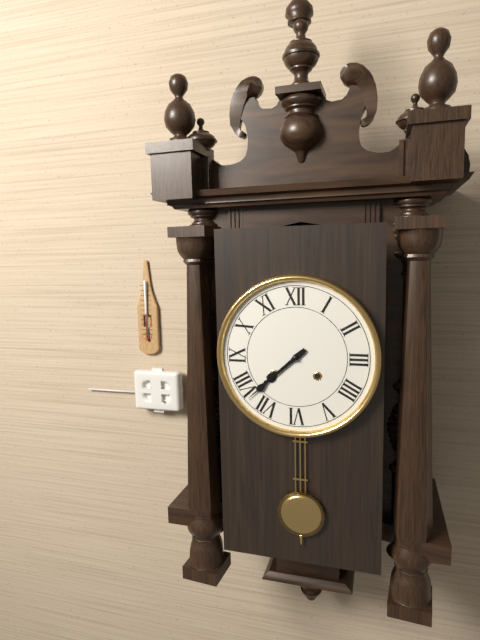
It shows 7h38
